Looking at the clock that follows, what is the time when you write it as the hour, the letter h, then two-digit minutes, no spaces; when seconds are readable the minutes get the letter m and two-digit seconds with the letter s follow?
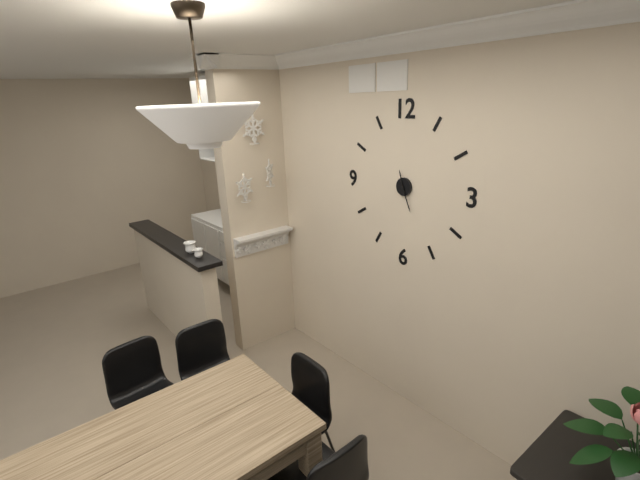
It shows 11h26
